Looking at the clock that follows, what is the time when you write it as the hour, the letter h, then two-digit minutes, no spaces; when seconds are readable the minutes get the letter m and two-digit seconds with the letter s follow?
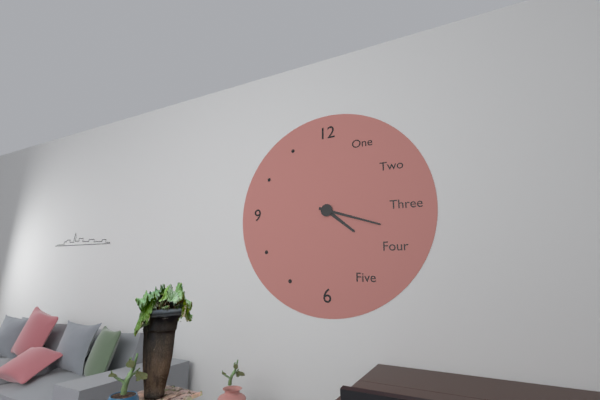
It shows 4h18
